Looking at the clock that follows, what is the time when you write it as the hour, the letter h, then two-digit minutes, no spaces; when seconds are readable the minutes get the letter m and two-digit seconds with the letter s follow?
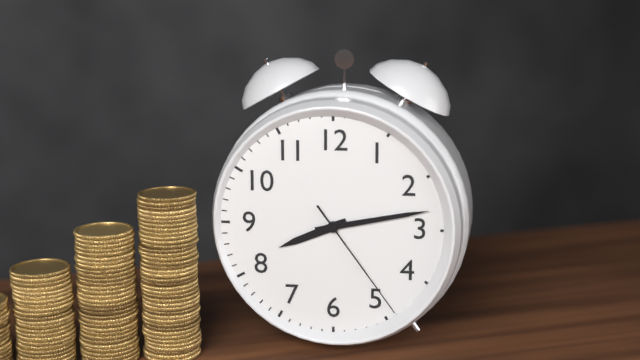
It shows 8h13m24s
